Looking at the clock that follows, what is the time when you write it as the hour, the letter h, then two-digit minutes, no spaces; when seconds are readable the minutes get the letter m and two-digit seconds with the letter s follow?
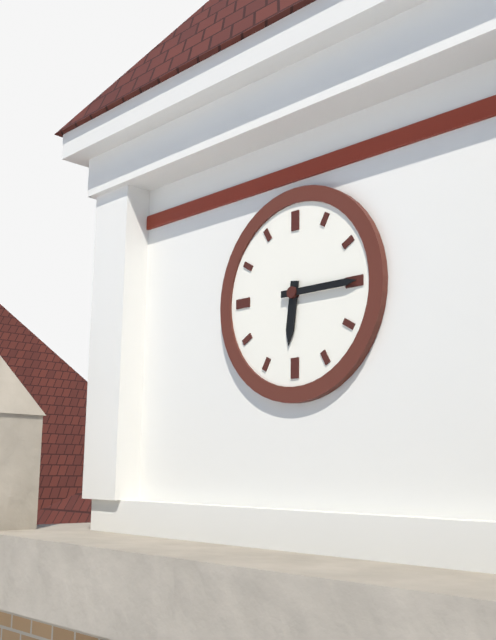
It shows 6h15
